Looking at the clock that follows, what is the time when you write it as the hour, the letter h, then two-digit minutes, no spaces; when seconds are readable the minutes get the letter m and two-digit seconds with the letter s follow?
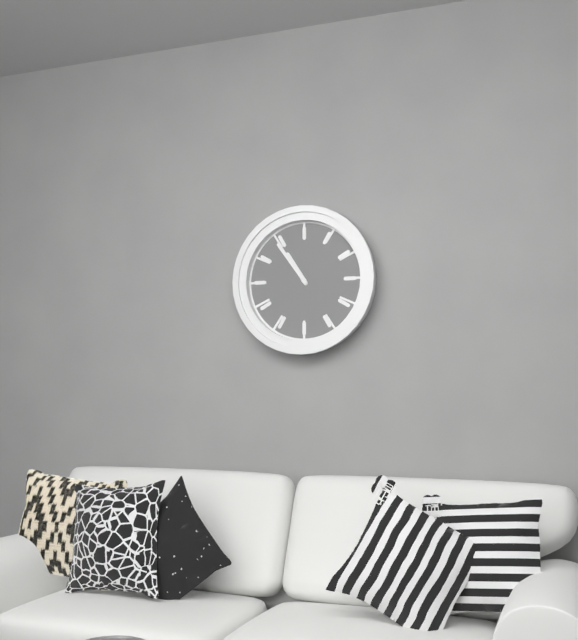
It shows 10h54
